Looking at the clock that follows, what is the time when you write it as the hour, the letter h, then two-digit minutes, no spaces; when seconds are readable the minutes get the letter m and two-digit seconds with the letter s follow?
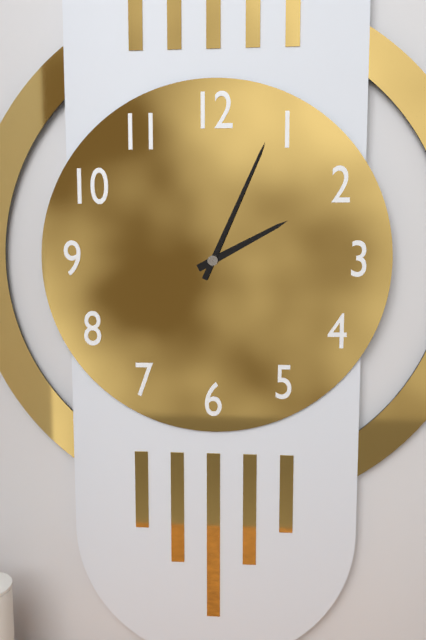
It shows 2h04
